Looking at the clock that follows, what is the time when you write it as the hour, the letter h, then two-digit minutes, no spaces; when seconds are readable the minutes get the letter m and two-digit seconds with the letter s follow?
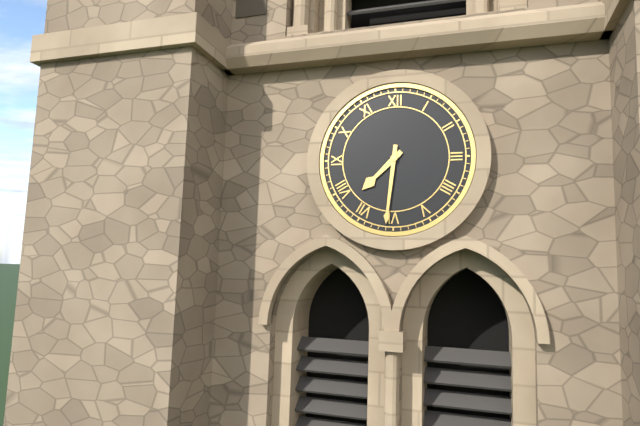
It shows 7h31
